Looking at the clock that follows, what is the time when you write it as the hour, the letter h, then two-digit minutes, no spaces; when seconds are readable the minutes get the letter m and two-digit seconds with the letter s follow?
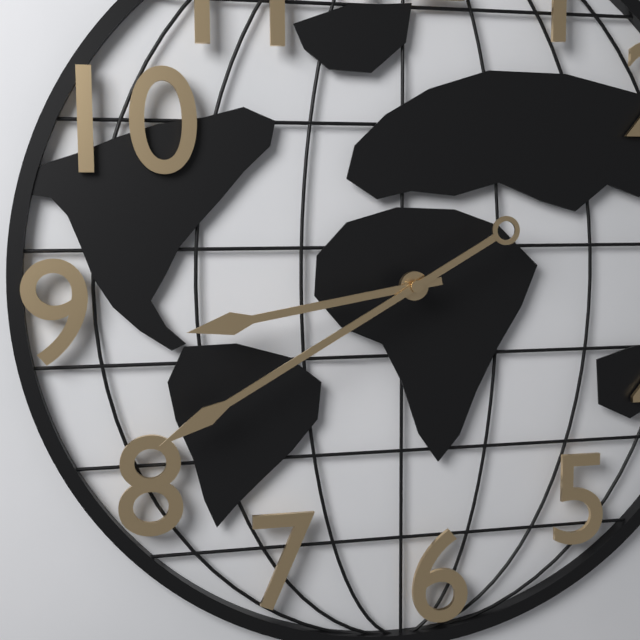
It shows 8h40
